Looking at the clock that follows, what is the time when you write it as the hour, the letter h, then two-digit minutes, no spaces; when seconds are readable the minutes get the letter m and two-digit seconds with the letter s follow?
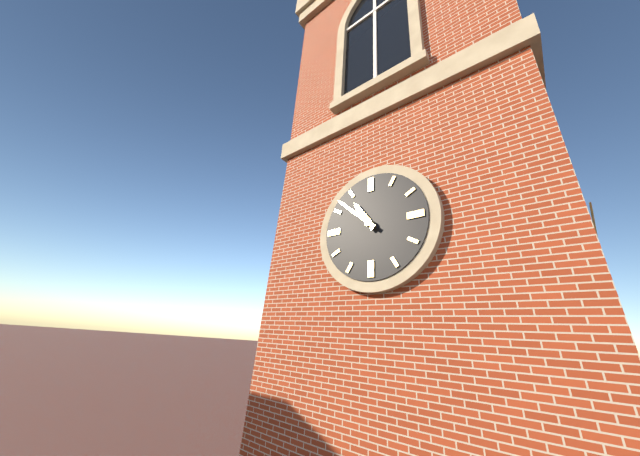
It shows 10h52
